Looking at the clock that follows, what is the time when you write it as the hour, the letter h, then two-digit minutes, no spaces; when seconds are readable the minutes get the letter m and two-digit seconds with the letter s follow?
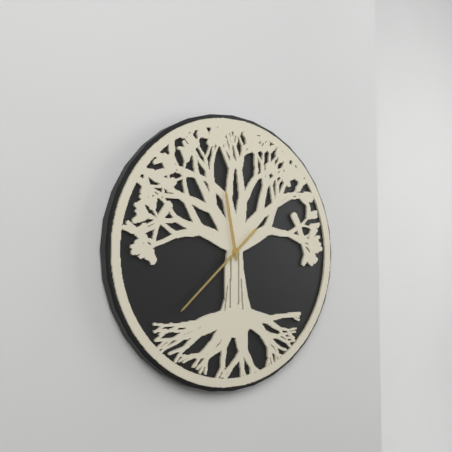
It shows 11h38
